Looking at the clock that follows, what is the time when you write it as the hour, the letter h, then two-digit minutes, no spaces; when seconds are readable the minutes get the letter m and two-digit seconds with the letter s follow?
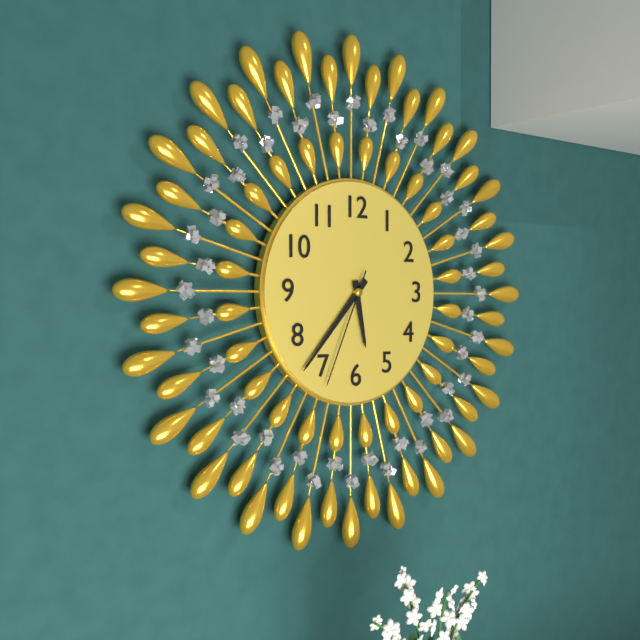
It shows 5h37m34s
